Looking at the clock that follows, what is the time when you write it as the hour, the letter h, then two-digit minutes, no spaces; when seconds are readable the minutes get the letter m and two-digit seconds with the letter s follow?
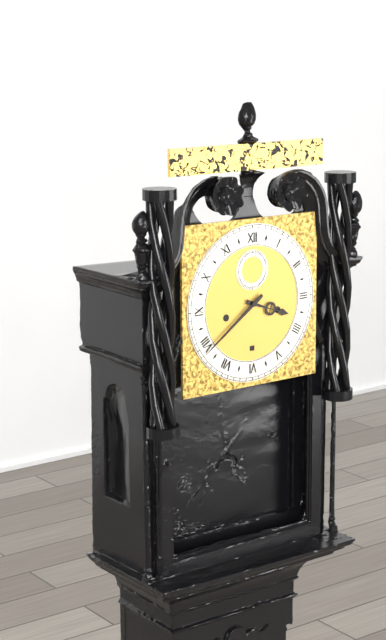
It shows 3h39
